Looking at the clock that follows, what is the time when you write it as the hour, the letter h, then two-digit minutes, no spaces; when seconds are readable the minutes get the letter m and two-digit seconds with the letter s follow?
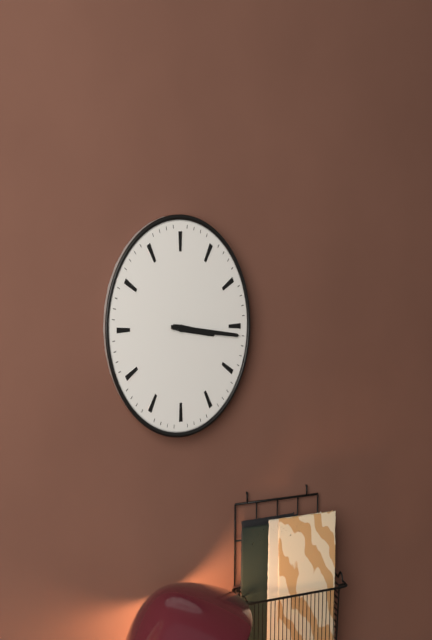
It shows 3h16
